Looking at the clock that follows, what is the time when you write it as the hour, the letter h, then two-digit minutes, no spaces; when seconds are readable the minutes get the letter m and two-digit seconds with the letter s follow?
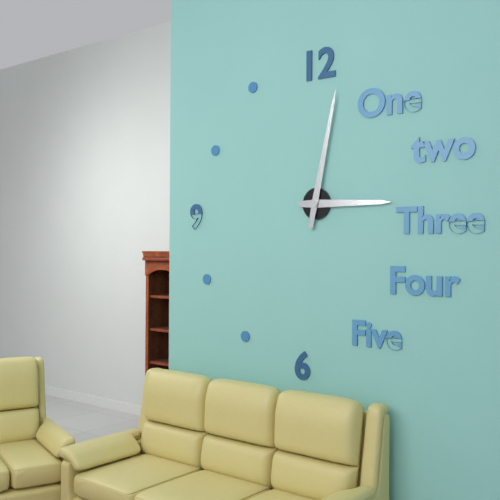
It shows 3h02
